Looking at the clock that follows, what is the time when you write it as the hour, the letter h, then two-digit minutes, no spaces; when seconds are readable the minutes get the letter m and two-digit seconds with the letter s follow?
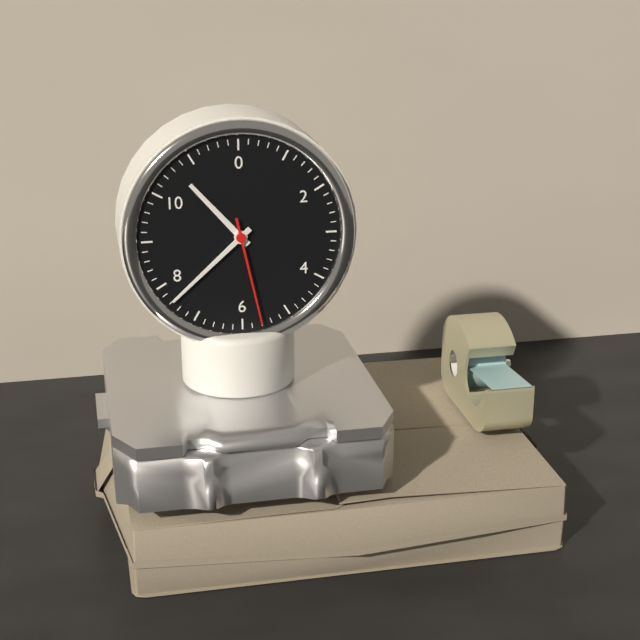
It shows 10h38m28s
